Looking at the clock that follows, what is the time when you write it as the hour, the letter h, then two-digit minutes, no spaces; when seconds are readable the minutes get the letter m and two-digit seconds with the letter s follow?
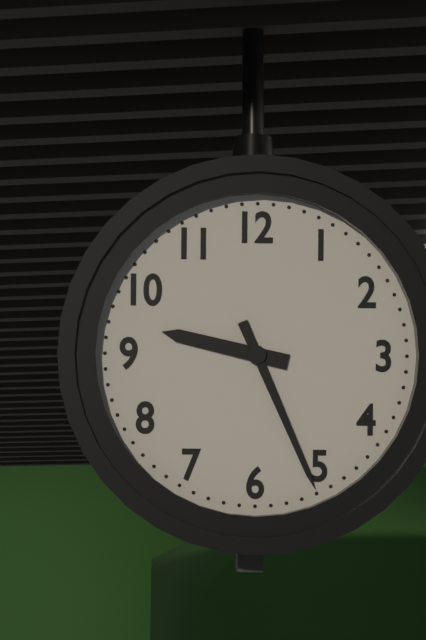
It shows 9h26
